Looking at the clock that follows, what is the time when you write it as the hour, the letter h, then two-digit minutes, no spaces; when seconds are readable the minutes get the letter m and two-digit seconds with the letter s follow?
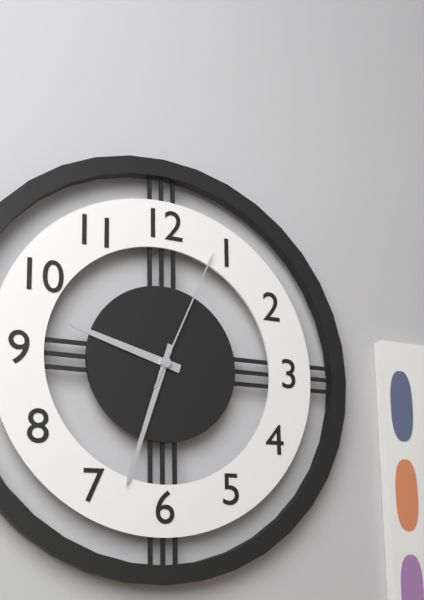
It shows 9h33m04s
